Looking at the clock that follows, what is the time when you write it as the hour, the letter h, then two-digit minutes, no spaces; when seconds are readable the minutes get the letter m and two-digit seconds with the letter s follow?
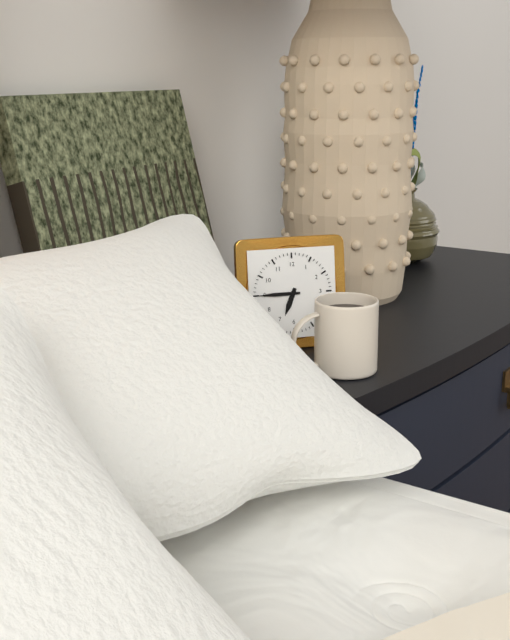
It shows 6h45
